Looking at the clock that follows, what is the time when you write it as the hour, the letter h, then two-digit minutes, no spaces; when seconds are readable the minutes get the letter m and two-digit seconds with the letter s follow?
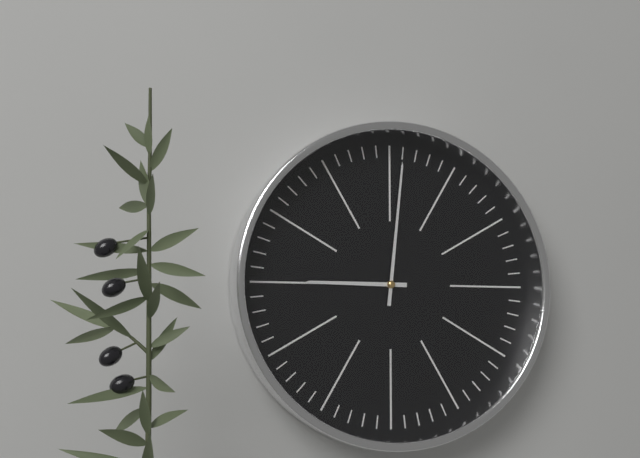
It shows 9h01
